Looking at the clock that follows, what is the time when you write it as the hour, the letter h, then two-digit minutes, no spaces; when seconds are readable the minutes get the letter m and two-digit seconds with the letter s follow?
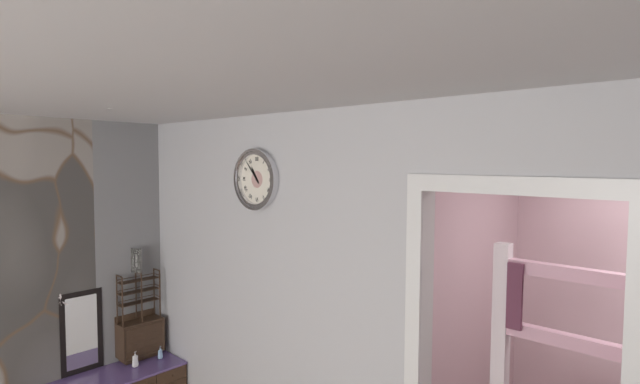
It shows 10h53
